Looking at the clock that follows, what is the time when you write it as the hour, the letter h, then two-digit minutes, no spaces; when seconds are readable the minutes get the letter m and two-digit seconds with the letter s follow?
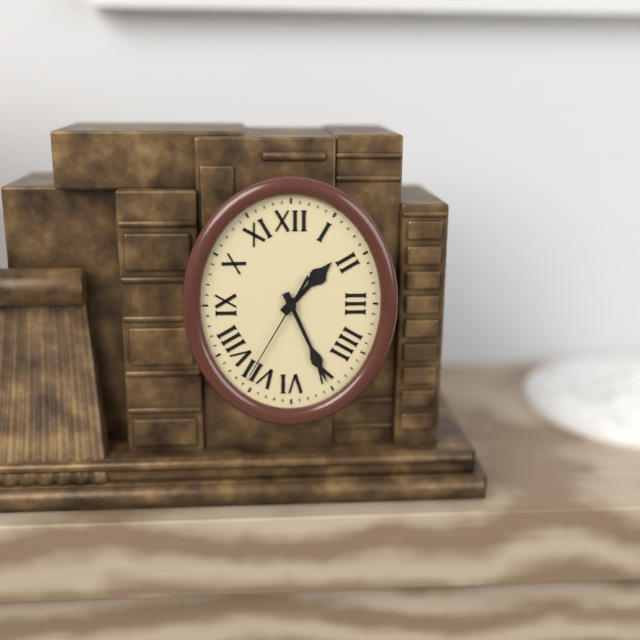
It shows 1h26m35s
